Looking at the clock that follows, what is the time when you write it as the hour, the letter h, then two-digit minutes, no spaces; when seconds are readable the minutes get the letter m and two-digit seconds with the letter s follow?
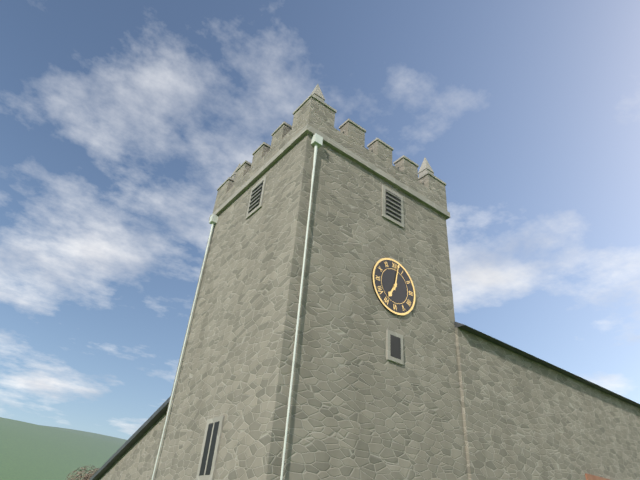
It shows 7h02
